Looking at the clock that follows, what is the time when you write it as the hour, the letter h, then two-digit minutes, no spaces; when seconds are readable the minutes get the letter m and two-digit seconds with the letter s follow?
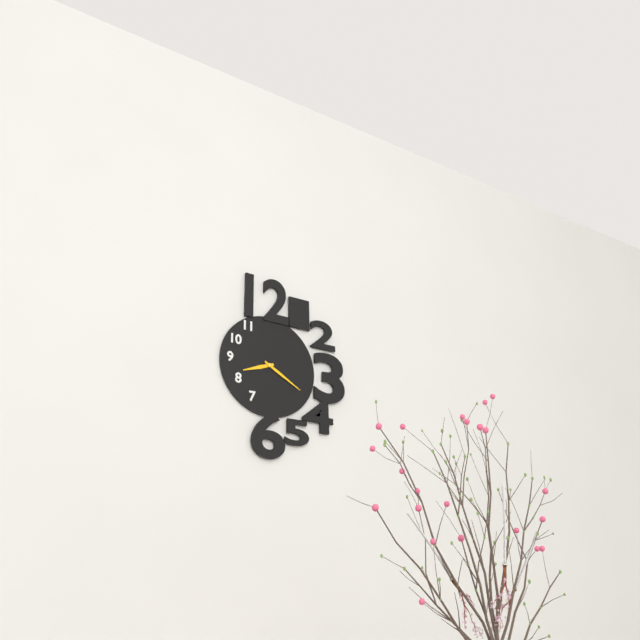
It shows 8h20
